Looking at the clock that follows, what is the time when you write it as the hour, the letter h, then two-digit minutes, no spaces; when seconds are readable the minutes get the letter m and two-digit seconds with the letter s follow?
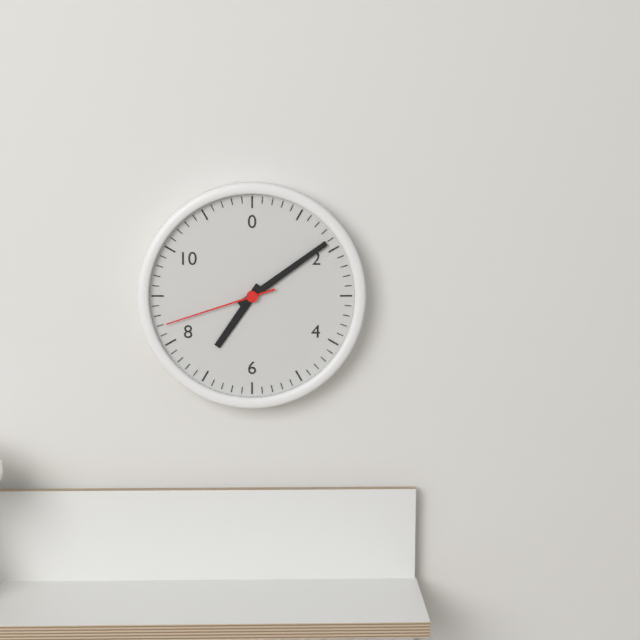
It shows 7h09m42s
